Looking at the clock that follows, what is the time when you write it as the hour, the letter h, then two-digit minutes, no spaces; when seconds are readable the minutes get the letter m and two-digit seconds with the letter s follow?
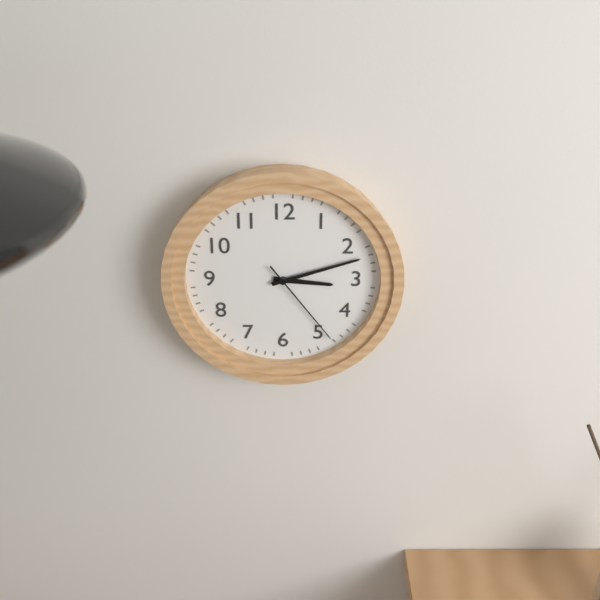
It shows 3h12m24s
